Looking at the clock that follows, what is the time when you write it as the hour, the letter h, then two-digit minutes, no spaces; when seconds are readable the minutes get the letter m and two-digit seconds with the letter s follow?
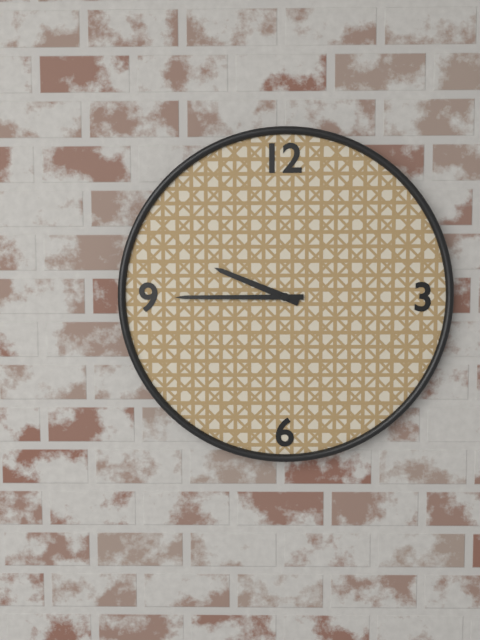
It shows 9h45
